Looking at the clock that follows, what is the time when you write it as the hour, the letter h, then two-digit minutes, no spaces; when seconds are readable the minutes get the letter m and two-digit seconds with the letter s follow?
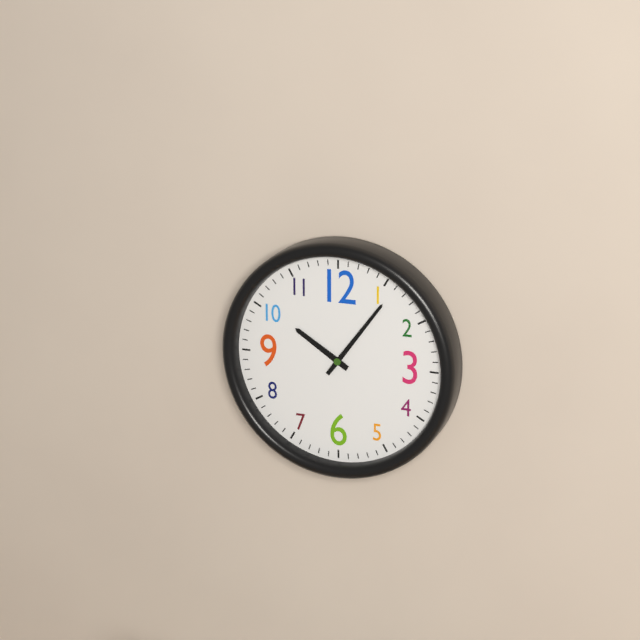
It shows 10h06
